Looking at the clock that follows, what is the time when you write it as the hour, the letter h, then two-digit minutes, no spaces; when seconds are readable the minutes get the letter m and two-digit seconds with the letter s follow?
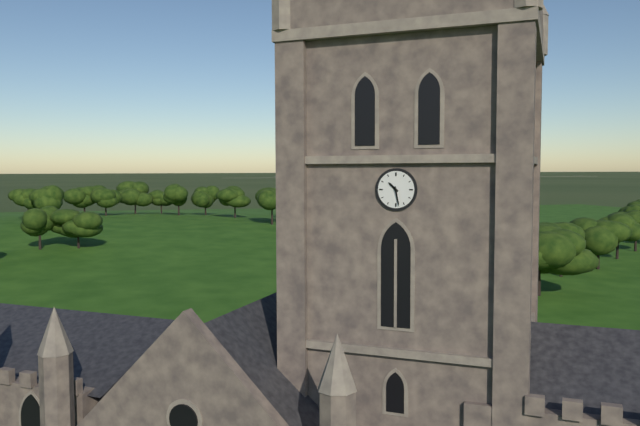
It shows 10h28
